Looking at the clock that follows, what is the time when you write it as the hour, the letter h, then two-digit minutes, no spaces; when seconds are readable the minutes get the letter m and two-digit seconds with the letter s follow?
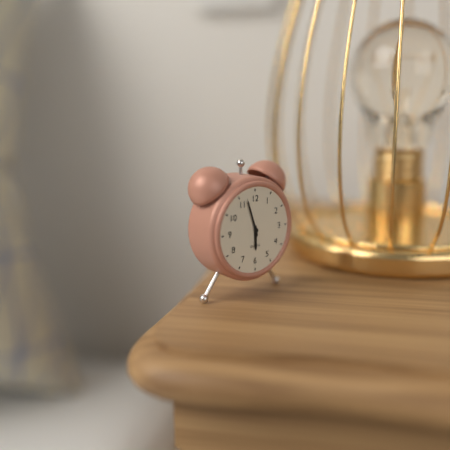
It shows 5h57
